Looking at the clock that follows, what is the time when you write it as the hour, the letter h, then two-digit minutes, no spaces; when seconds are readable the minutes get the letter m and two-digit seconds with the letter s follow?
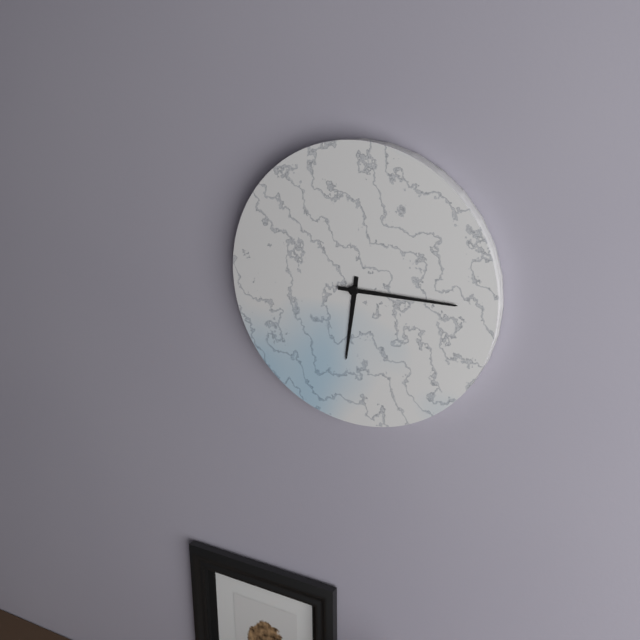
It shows 6h15
